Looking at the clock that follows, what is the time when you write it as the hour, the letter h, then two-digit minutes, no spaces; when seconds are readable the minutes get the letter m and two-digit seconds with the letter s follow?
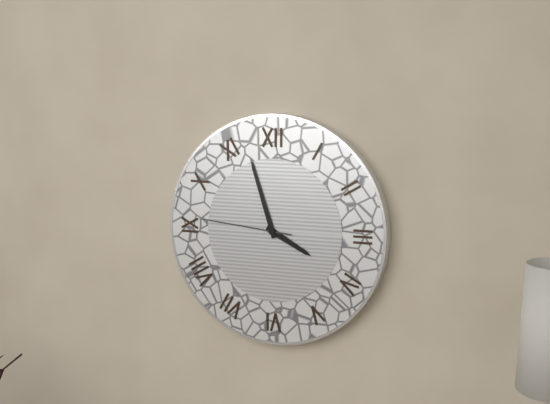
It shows 3h57m46s
